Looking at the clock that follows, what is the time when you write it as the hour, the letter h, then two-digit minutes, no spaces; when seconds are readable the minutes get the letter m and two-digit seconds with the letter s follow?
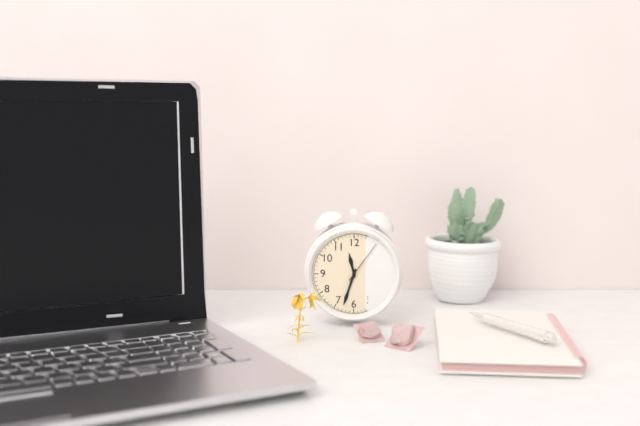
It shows 11h33
